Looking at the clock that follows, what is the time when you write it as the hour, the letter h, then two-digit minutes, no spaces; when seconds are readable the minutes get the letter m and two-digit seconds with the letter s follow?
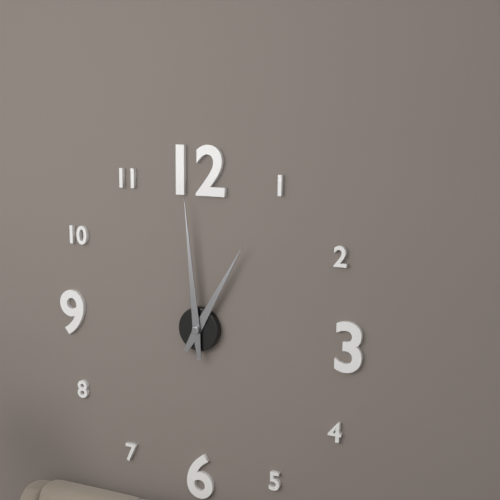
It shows 12h59
